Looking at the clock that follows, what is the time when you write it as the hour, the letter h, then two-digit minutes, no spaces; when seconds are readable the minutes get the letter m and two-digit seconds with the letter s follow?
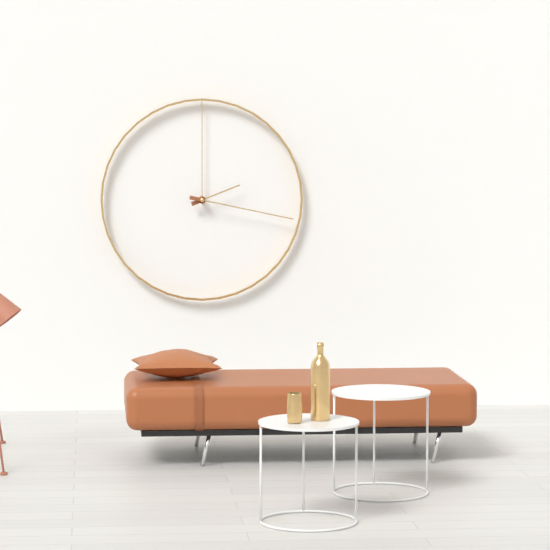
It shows 2h17
